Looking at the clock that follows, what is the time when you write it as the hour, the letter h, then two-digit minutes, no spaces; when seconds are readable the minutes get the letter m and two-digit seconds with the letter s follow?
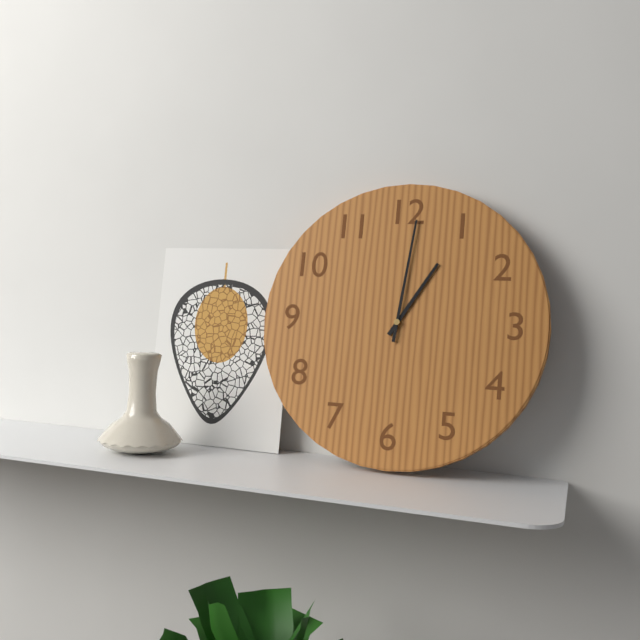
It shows 1h01
